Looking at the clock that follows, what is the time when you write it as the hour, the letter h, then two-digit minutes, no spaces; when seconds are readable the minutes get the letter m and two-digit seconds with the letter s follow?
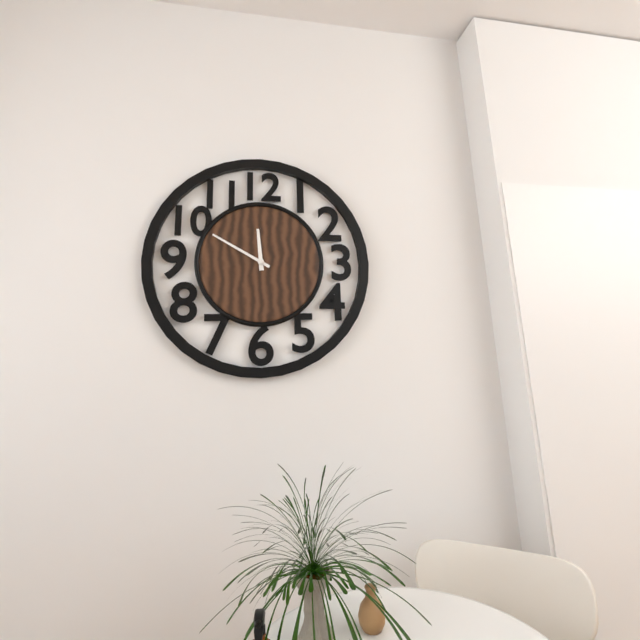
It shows 11h50
